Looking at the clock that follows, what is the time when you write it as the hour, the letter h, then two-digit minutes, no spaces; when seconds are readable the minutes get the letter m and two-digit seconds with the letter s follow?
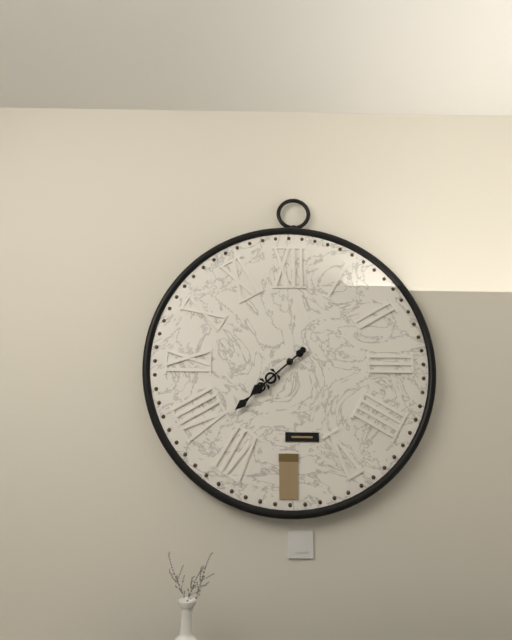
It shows 7h38
